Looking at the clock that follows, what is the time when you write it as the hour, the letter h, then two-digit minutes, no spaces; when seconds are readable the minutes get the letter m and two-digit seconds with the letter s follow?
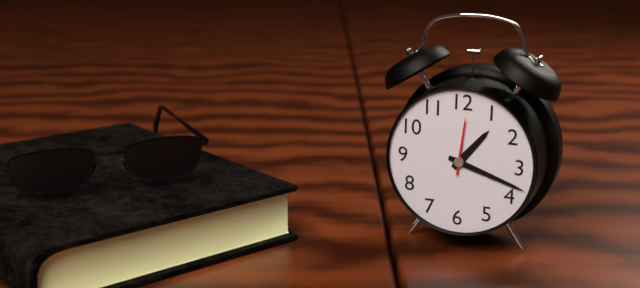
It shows 1h18m01s
